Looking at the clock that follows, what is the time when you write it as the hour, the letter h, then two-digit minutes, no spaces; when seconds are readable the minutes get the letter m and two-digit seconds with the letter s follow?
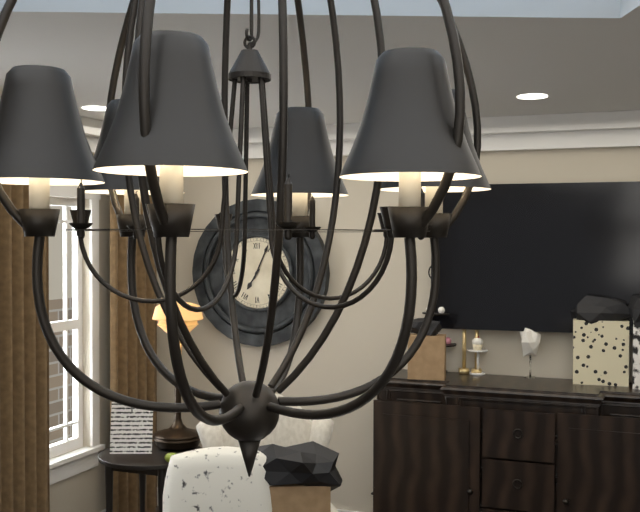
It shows 7h04
